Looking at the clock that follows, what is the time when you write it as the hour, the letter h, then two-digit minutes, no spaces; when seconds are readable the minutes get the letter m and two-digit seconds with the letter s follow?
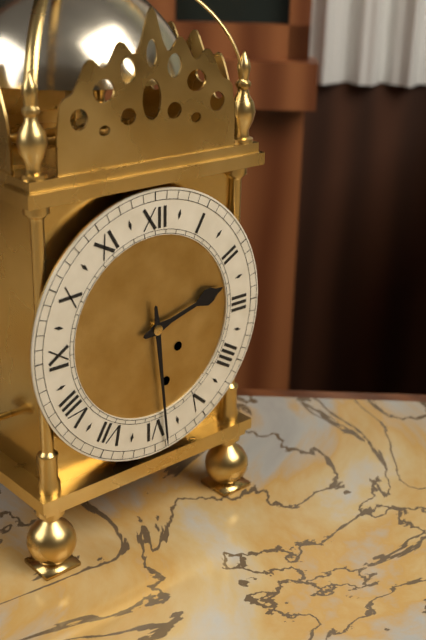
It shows 2h29
